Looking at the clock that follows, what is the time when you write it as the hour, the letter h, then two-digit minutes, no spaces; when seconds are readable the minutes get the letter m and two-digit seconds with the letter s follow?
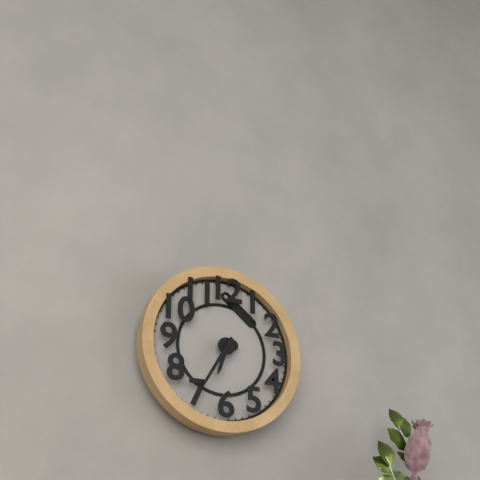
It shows 6h35
